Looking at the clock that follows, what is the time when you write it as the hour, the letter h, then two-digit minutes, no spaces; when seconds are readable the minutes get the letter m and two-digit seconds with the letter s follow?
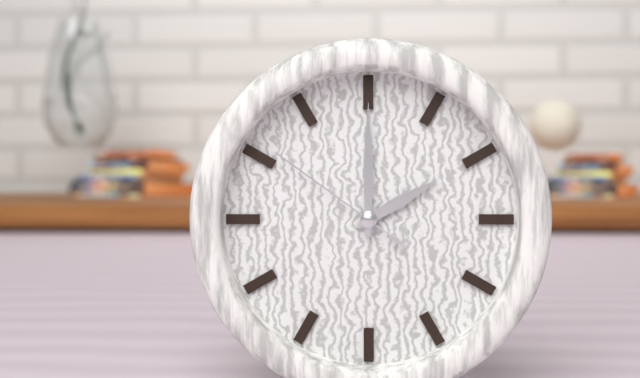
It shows 2h00m51s
